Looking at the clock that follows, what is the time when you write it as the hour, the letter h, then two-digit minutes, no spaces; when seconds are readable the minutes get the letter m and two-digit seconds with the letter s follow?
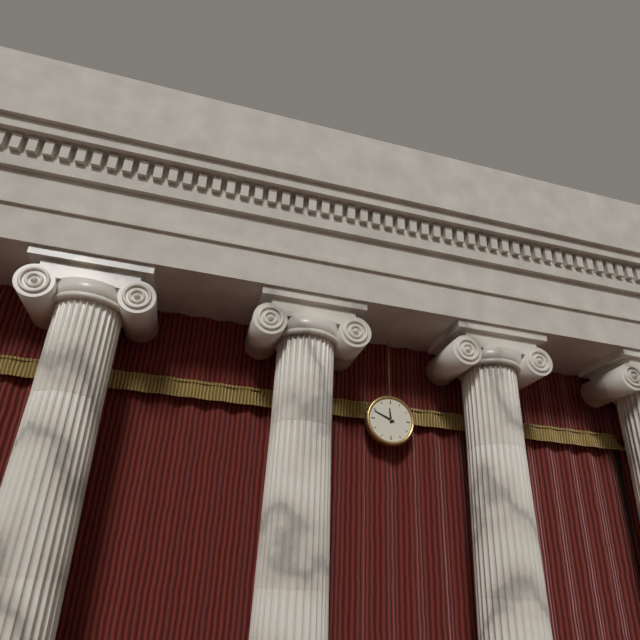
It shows 11h49
